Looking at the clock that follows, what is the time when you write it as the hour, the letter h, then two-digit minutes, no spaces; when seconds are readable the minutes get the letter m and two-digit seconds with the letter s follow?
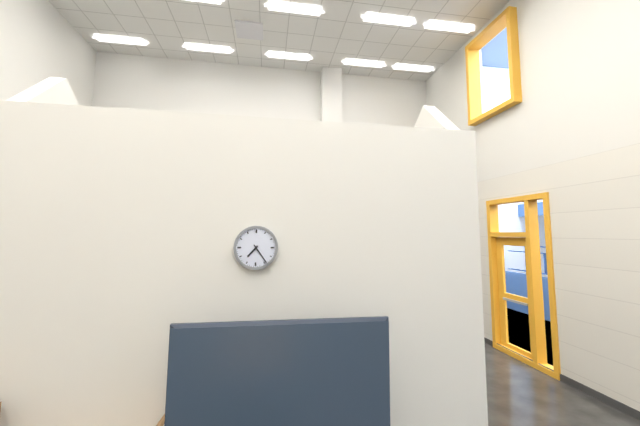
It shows 7h24
